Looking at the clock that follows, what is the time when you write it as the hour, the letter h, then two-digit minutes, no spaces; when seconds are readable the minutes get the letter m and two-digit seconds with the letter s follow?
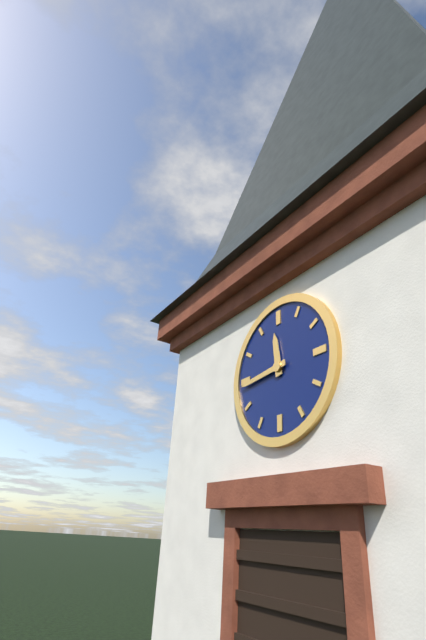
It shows 11h44
